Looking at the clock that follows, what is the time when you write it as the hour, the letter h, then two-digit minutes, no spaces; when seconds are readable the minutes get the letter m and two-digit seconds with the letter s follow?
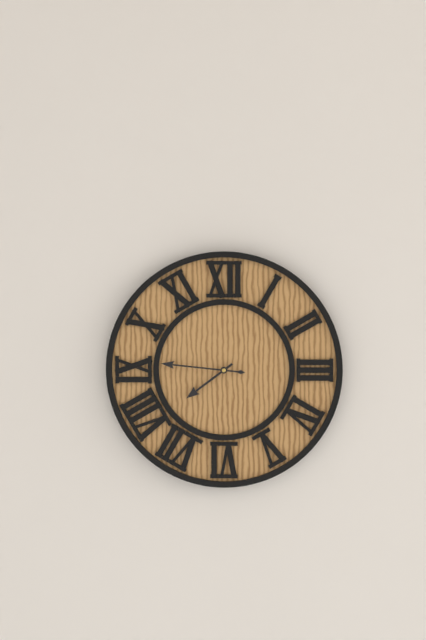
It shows 7h46
